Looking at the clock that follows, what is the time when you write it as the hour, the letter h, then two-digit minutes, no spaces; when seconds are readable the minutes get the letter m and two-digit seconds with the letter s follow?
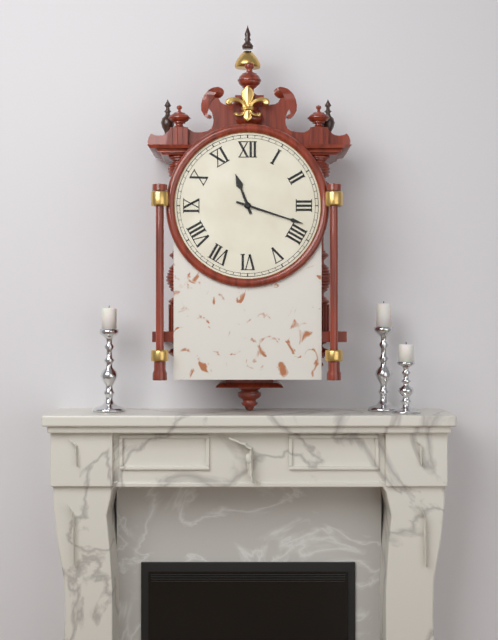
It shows 11h18
